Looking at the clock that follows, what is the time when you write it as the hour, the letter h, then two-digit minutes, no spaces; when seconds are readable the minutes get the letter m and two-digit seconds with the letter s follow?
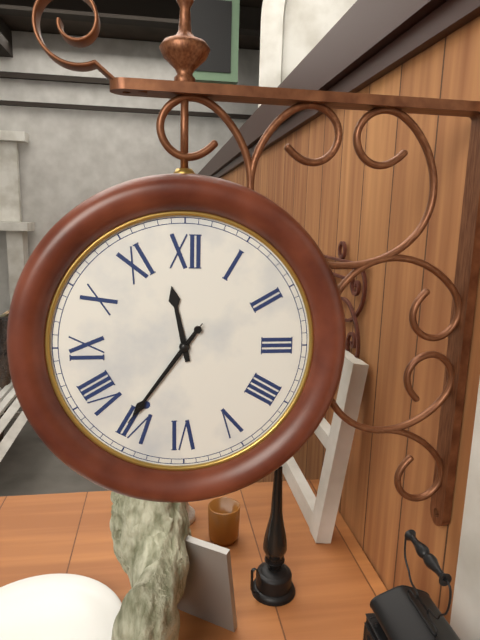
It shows 11h36m36s
